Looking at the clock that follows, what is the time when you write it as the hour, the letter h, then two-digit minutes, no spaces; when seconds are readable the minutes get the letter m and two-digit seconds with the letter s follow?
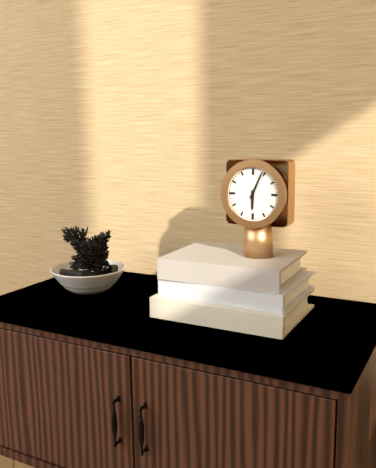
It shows 6h04
